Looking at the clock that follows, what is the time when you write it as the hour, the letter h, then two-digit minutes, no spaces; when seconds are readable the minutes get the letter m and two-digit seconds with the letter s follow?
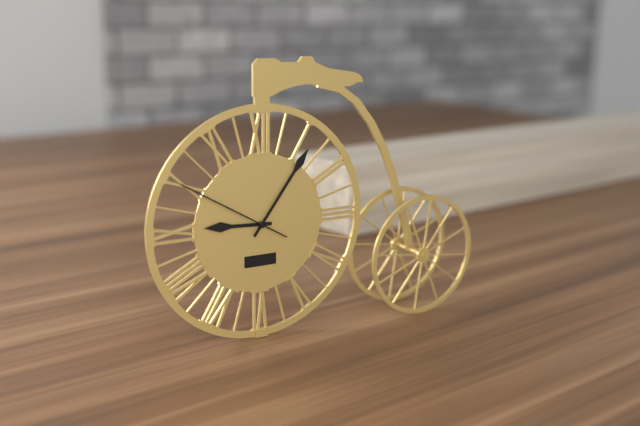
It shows 9h06m50s
